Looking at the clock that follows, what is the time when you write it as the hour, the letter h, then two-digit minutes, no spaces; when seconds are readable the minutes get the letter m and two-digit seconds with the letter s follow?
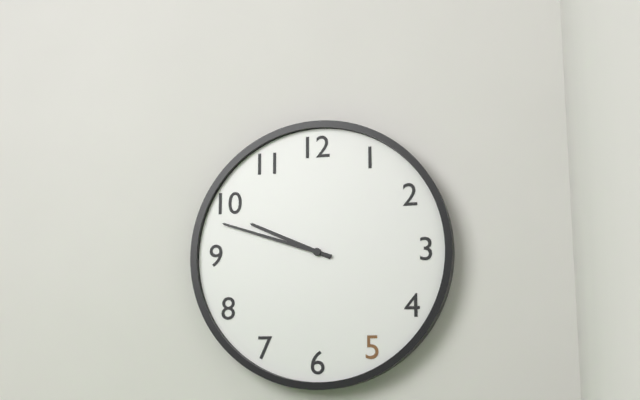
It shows 9h48
